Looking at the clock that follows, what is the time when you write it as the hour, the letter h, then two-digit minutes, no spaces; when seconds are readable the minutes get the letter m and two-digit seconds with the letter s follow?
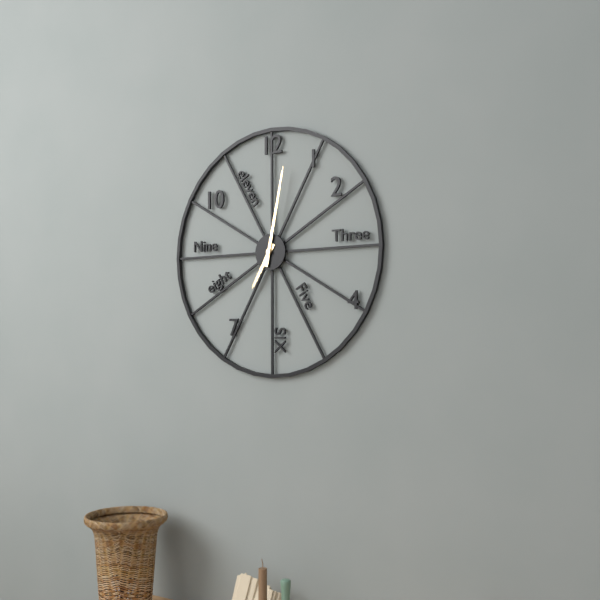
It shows 7h02
